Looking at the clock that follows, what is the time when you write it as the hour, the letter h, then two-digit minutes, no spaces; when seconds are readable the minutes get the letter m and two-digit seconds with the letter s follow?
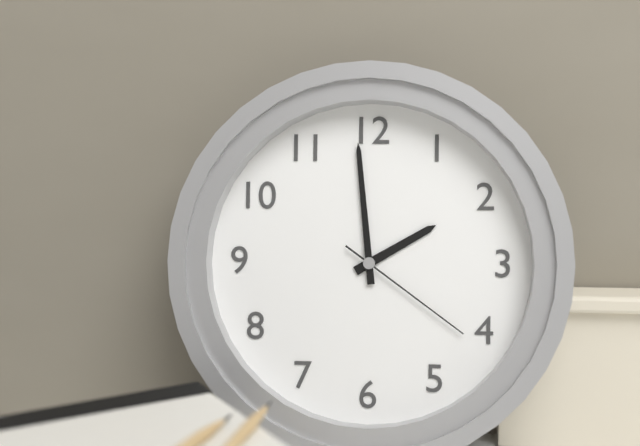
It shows 1h59m21s
